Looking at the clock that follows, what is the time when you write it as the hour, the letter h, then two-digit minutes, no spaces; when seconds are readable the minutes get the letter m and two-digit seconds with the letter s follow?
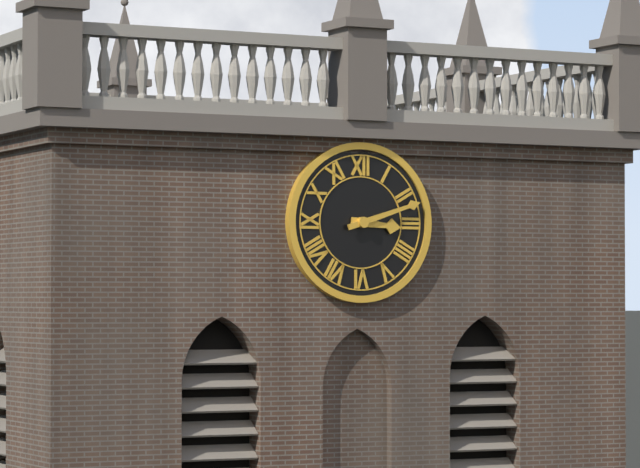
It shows 3h12
